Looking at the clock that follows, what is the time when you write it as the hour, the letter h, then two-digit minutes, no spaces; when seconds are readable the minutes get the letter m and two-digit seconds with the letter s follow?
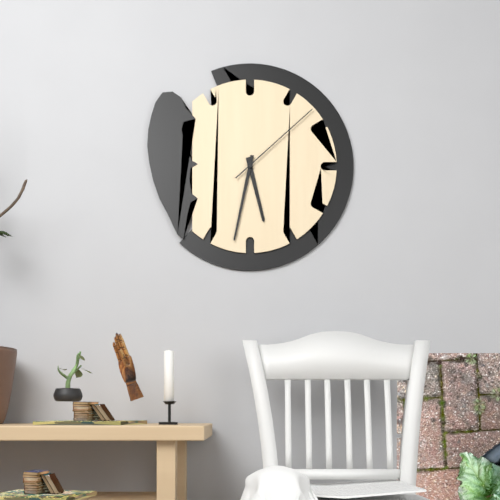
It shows 5h32m08s
